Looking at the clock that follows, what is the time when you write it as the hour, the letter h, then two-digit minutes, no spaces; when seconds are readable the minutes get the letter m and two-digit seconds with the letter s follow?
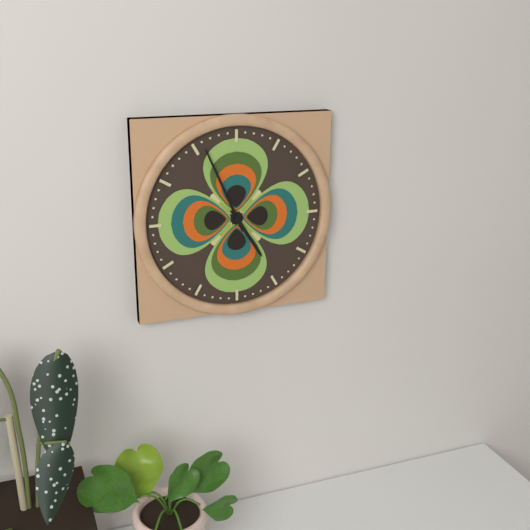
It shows 4h56
